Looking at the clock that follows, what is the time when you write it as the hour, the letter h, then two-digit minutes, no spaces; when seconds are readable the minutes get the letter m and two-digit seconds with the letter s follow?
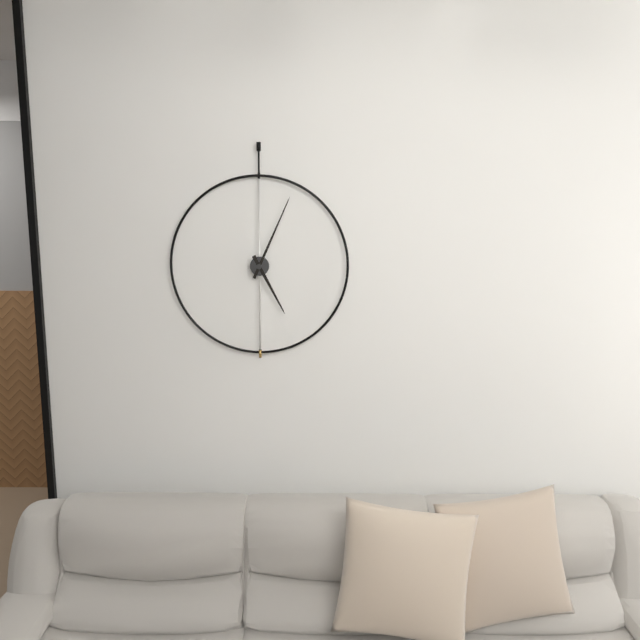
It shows 5h04
